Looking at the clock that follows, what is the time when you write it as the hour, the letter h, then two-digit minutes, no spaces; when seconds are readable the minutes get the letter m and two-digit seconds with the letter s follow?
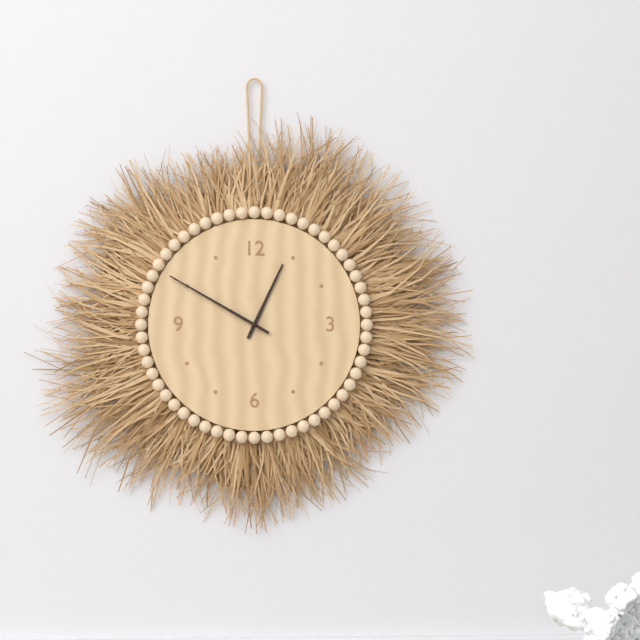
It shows 12h50
